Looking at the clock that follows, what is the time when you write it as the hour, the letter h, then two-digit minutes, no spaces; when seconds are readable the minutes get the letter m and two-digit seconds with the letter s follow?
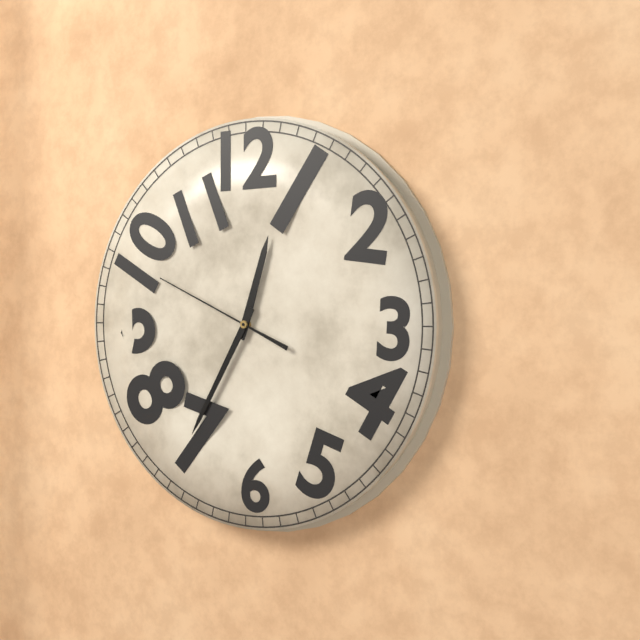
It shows 12h35m49s
